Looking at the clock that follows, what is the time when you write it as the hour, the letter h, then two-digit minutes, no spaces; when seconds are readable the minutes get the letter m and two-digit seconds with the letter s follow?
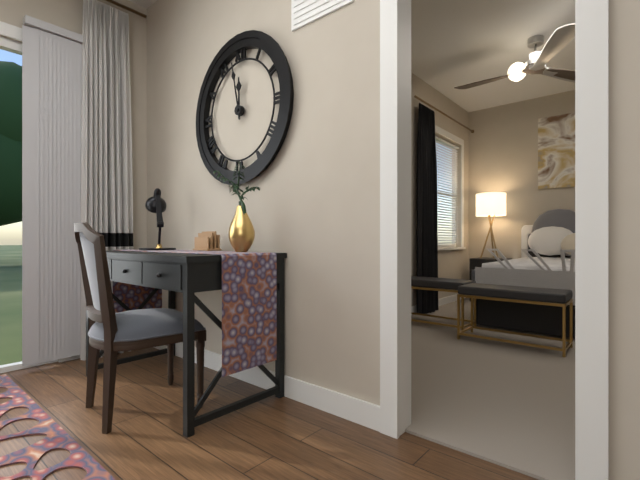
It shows 11h58
